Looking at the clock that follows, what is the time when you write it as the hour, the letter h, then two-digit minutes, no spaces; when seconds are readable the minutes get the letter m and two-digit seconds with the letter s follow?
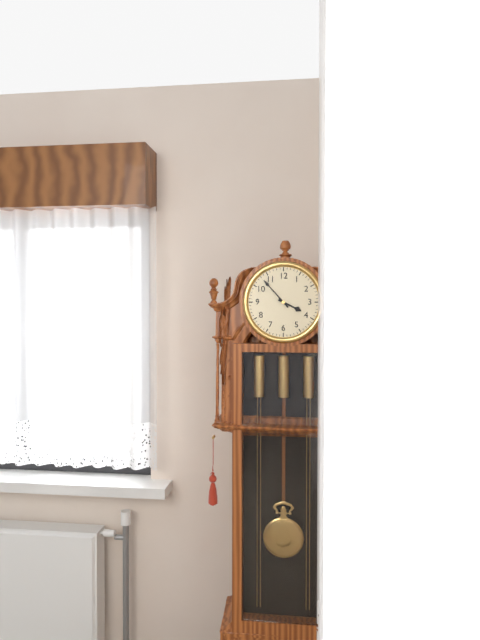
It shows 3h53
